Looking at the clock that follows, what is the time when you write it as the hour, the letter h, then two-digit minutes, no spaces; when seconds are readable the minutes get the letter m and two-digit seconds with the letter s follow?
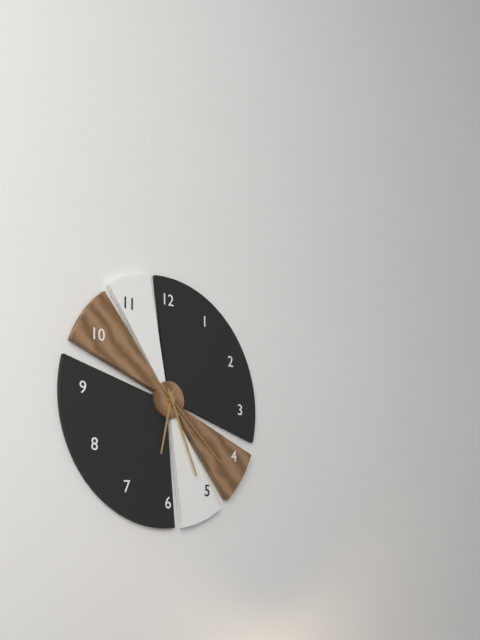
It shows 6h26m22s
